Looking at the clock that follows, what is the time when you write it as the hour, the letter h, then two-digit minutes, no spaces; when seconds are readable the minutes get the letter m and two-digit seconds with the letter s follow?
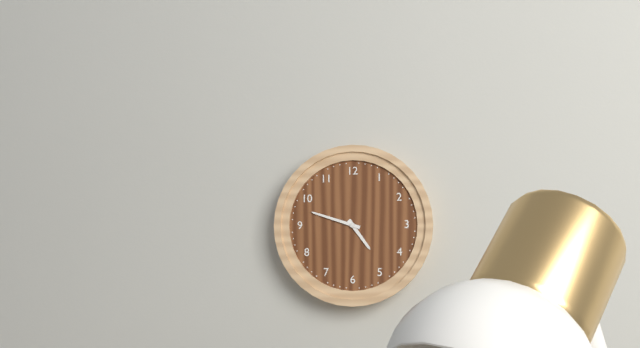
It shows 4h48
